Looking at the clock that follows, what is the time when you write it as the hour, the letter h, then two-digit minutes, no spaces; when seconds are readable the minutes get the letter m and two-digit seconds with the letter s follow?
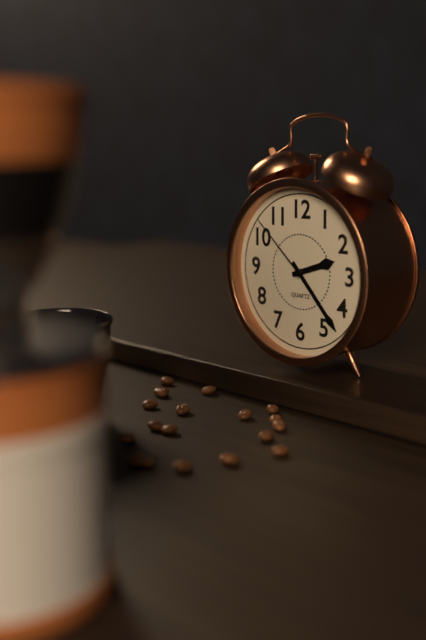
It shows 2h23m52s
